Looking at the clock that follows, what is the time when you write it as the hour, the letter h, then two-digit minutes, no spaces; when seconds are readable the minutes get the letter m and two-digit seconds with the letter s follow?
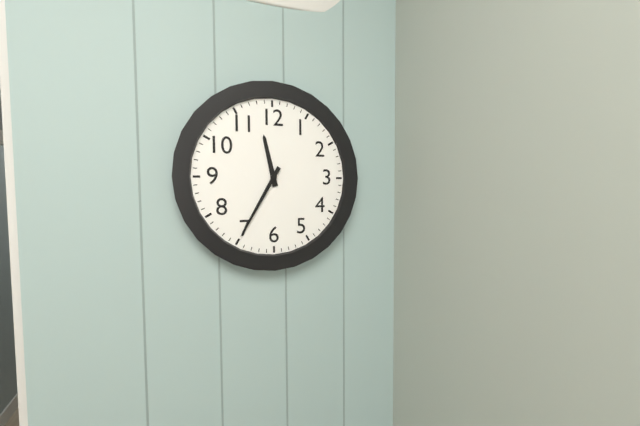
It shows 11h35
